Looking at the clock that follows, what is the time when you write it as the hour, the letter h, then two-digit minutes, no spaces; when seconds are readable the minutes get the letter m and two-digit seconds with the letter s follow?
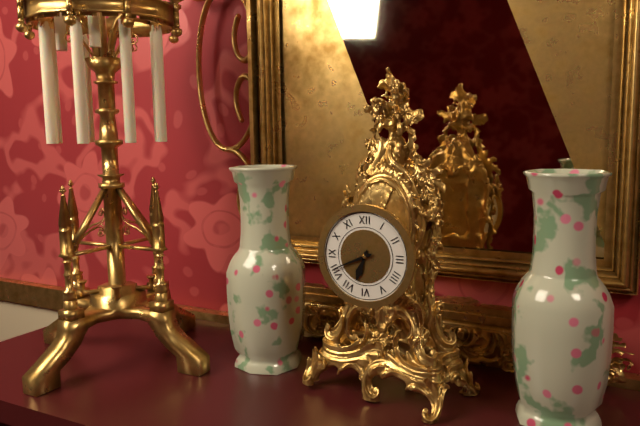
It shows 6h41
